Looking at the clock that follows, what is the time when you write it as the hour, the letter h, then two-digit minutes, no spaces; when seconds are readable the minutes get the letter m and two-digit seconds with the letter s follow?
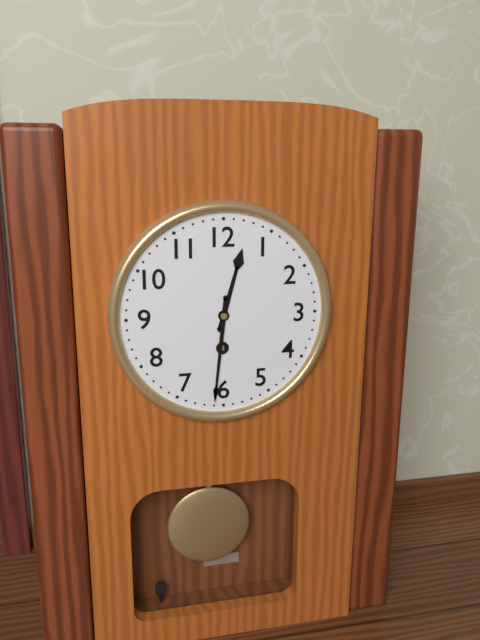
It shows 12h31
